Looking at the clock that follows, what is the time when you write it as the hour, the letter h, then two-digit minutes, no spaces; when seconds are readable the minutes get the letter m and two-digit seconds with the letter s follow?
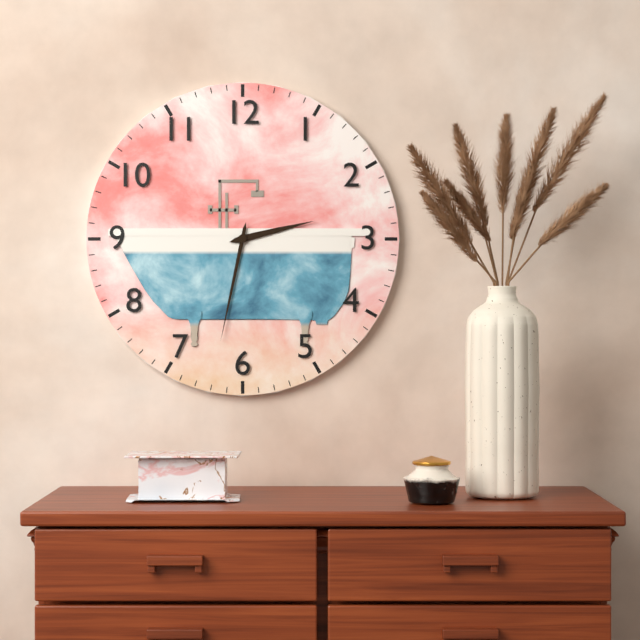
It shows 2h32
